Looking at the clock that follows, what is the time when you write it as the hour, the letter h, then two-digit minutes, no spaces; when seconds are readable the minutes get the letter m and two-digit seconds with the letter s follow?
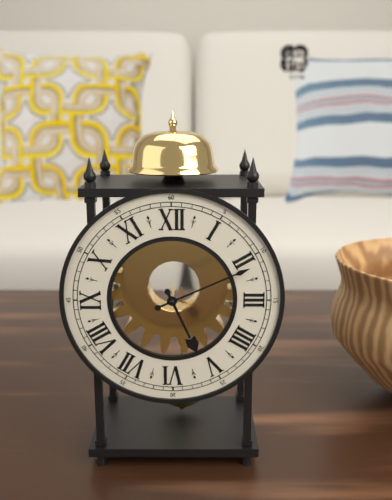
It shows 5h11
